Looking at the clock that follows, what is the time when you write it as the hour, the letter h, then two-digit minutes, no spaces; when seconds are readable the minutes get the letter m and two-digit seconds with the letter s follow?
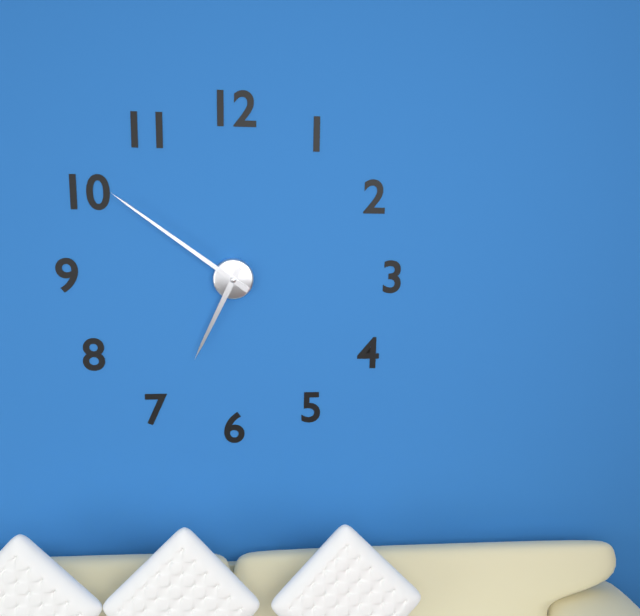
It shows 6h51
